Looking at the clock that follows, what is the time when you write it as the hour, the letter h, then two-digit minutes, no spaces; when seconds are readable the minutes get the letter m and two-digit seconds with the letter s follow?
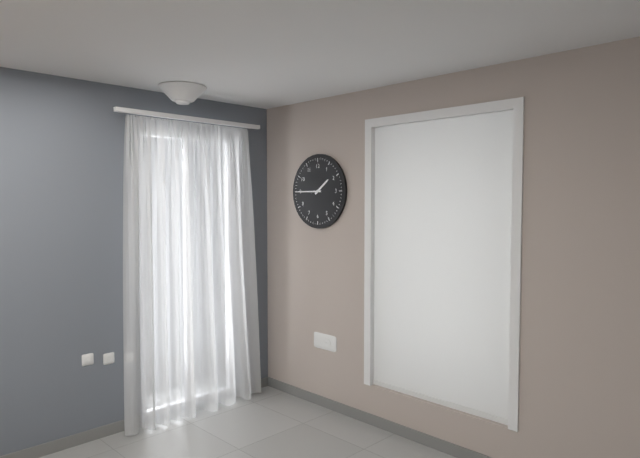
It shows 1h45
